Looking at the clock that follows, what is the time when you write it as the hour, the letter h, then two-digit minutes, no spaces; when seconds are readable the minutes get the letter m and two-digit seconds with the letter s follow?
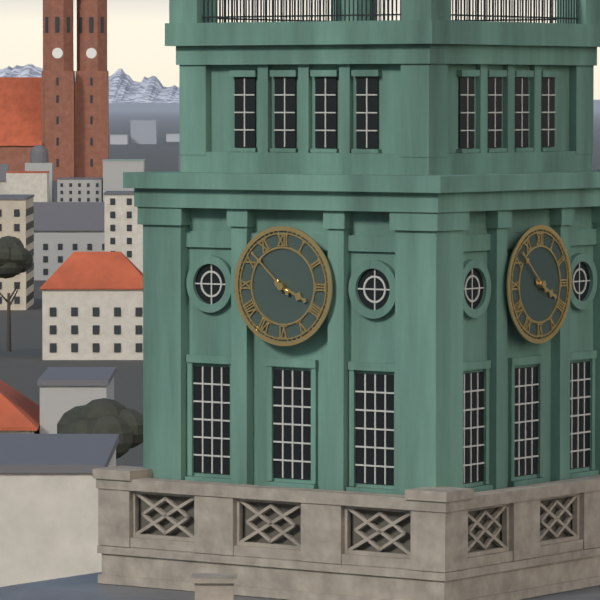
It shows 3h52
